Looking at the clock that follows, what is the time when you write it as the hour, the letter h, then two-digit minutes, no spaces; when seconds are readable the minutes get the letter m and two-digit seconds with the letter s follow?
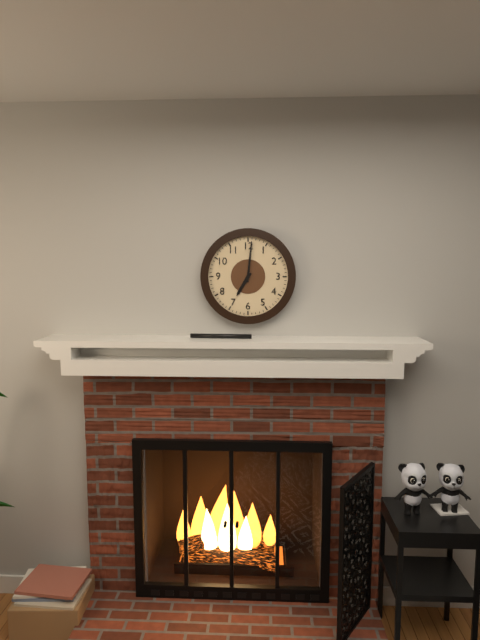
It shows 7h01
